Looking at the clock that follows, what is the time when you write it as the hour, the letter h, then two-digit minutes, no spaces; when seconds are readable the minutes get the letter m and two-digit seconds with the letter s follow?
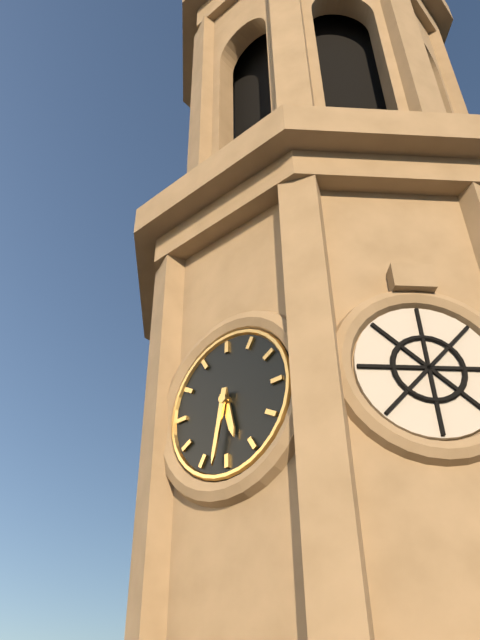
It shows 5h32
